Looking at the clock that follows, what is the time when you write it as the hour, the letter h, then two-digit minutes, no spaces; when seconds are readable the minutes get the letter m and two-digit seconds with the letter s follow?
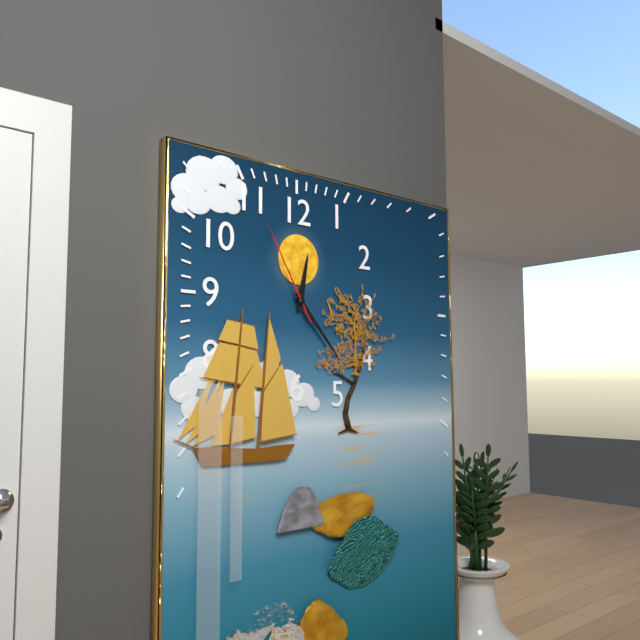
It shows 12h23m55s
